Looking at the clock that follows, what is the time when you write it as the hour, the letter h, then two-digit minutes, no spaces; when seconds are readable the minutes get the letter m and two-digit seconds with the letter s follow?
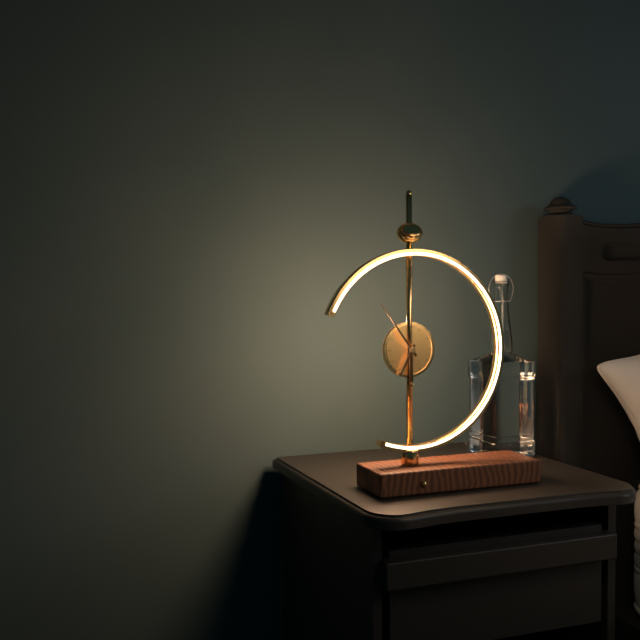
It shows 6h54
